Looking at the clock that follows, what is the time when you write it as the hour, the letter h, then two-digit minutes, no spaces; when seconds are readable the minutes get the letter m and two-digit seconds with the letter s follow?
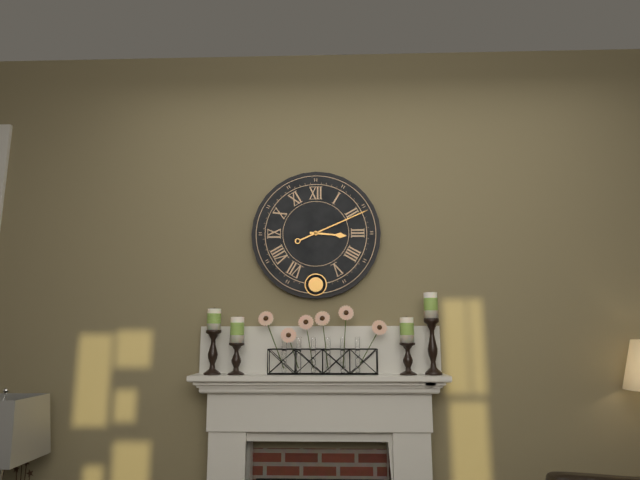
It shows 3h11
